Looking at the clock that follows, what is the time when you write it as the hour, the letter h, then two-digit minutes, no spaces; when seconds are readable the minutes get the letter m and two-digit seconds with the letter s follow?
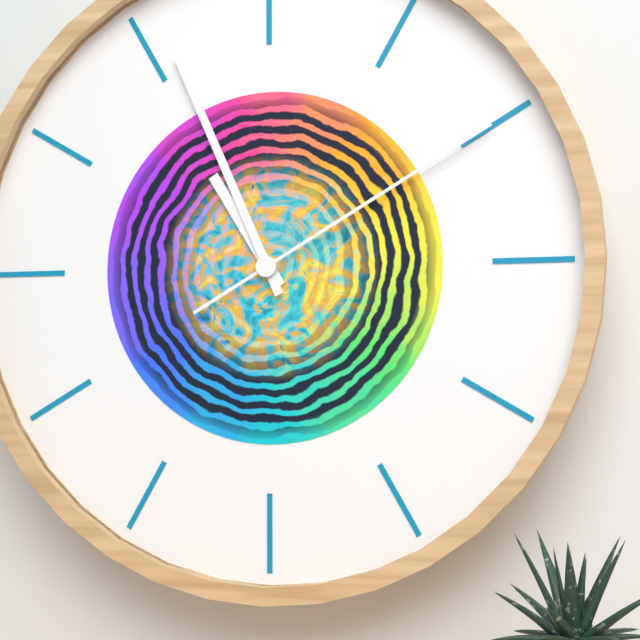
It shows 10h56m10s
